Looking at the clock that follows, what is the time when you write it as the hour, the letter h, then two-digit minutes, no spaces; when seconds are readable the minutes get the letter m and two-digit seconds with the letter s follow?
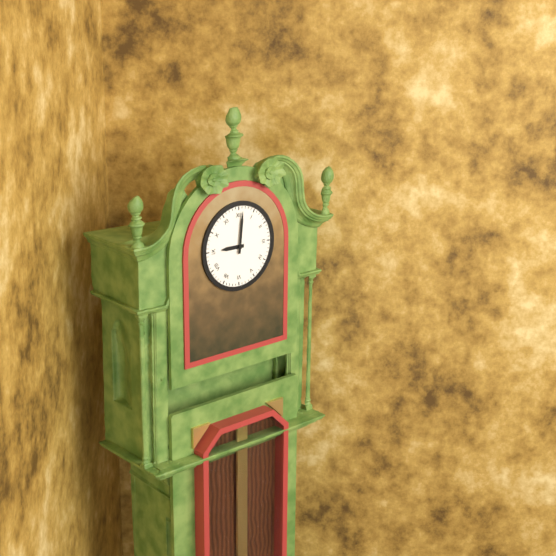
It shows 9h01
